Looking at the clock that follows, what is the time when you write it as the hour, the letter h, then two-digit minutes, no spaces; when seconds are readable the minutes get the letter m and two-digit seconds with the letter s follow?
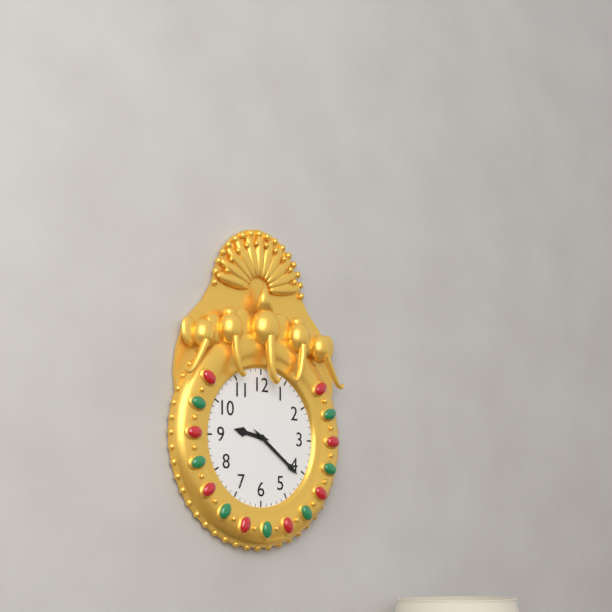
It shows 9h21
